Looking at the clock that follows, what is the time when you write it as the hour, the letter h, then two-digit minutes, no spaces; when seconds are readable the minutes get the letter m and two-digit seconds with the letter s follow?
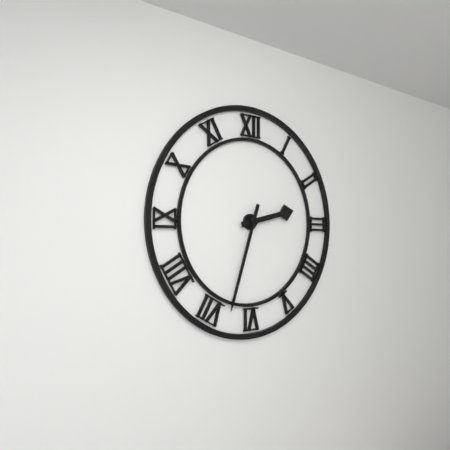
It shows 2h33
